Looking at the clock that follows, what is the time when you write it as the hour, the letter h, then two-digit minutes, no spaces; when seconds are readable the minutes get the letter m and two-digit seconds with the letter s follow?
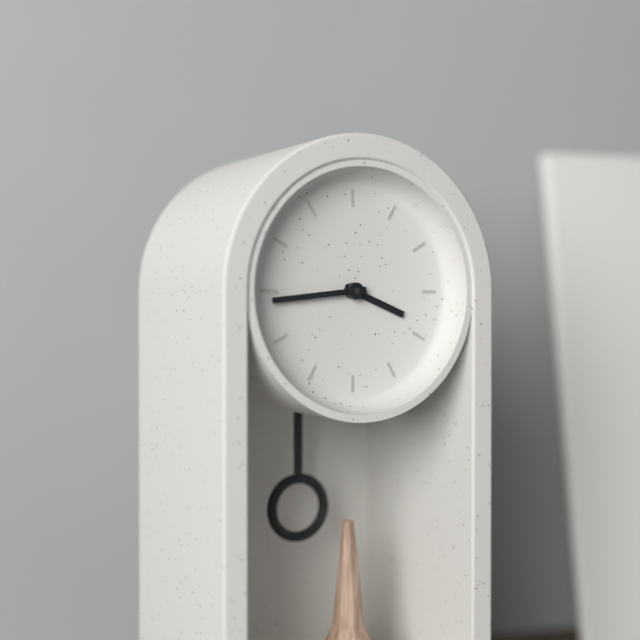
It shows 3h44
